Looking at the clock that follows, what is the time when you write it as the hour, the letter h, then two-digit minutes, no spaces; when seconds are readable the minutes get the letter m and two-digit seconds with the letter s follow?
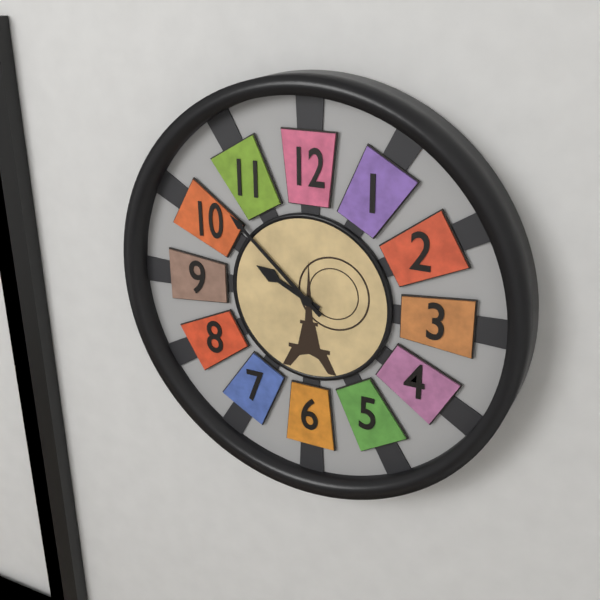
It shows 9h52
